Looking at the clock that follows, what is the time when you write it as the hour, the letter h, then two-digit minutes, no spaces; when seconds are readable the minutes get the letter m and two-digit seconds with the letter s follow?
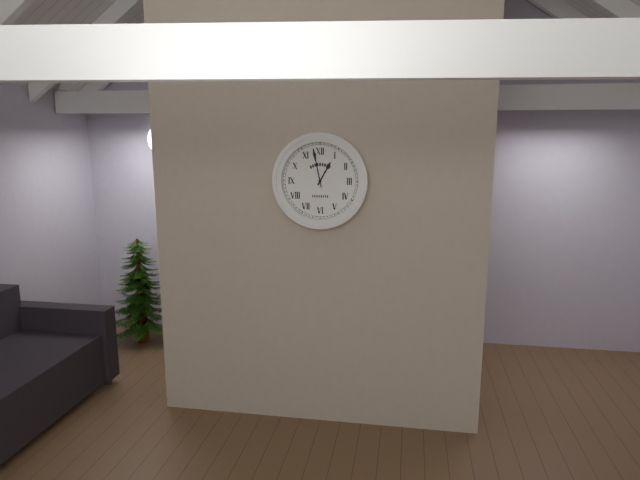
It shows 12h58
